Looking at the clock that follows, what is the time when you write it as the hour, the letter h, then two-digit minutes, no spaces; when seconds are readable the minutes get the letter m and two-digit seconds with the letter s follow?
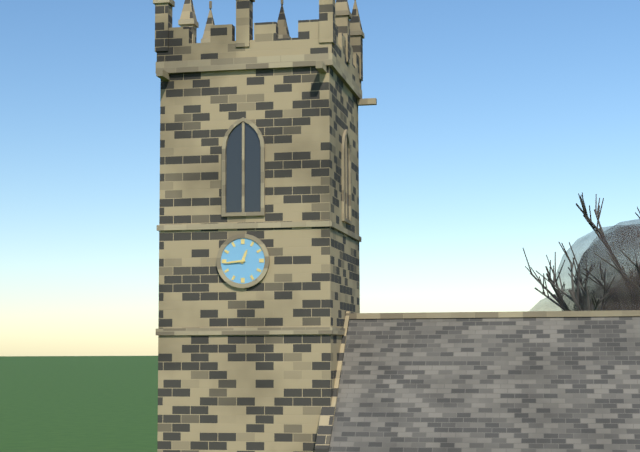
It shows 12h44
